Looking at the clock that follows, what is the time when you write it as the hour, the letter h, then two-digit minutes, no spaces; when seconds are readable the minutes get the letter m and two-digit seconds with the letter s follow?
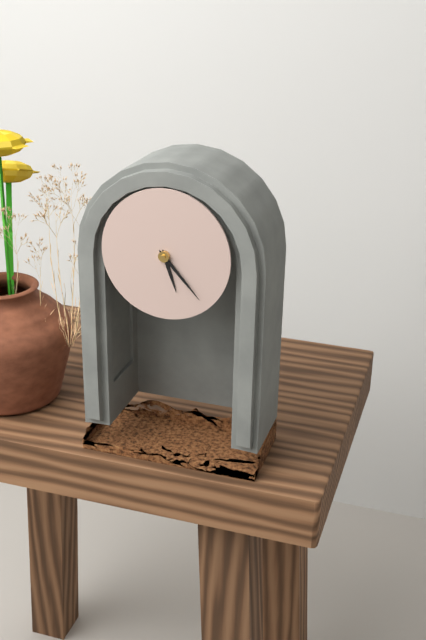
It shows 5h23
